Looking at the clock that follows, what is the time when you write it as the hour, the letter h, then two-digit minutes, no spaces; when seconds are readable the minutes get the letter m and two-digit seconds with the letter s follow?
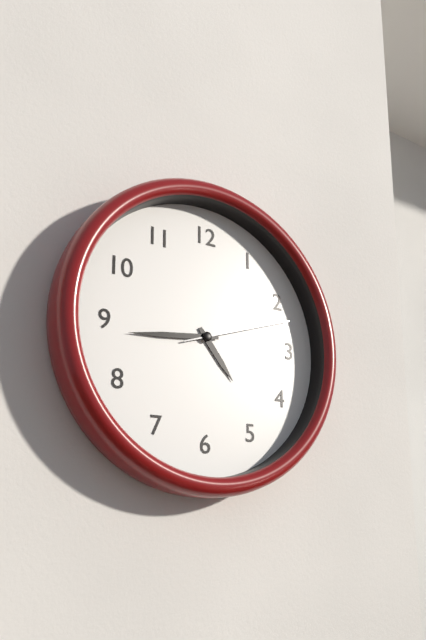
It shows 4h44m12s
